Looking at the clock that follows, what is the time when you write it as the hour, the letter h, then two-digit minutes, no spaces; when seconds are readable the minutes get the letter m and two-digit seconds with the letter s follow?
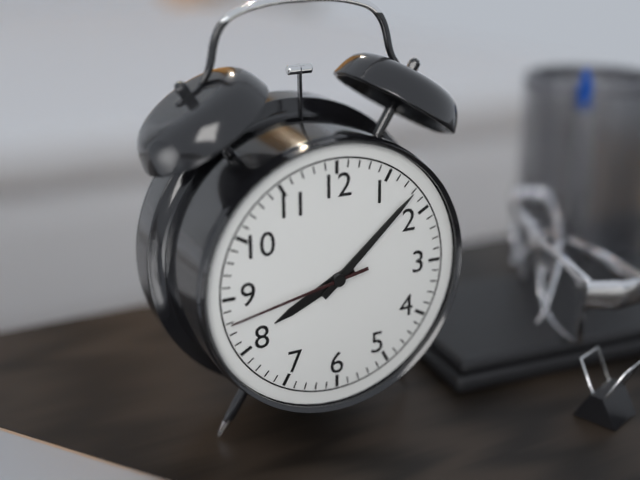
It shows 8h08m43s
